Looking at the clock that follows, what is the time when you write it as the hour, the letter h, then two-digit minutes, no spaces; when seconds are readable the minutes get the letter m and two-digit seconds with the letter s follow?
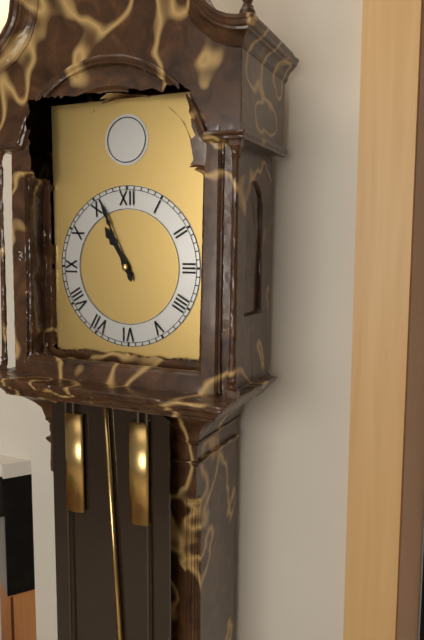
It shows 10h56
